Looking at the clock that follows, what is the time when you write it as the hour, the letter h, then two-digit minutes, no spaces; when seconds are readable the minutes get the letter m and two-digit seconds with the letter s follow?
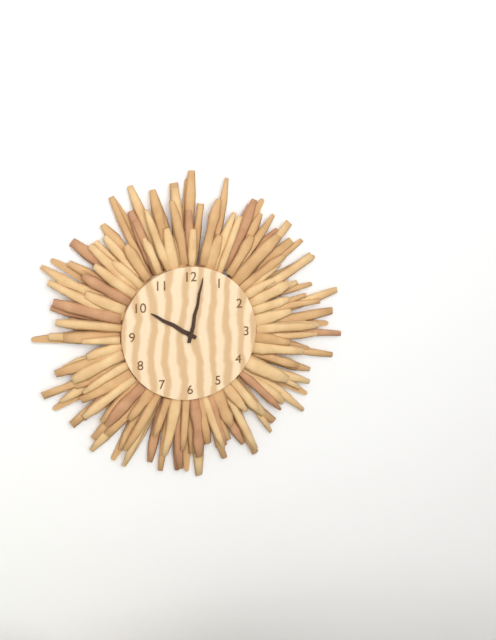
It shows 10h02
